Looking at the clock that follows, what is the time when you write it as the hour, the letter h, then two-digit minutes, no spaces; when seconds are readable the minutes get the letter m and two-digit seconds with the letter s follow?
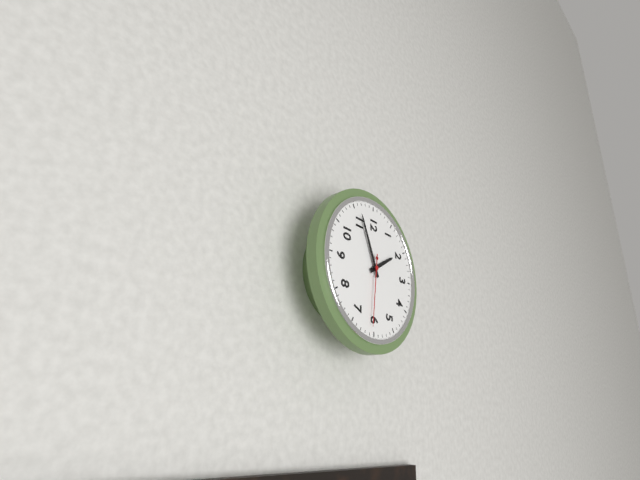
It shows 1h56m31s
